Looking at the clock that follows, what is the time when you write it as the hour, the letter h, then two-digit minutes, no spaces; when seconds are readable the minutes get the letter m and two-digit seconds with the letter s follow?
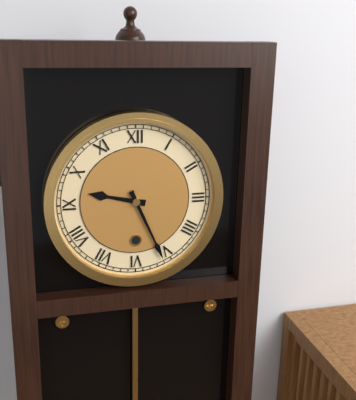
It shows 9h26
